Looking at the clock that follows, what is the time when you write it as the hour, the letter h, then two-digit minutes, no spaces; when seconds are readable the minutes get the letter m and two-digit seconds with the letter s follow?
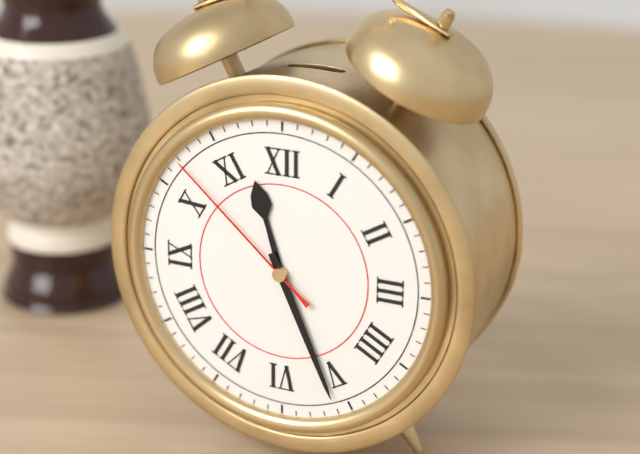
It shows 11h26m52s
